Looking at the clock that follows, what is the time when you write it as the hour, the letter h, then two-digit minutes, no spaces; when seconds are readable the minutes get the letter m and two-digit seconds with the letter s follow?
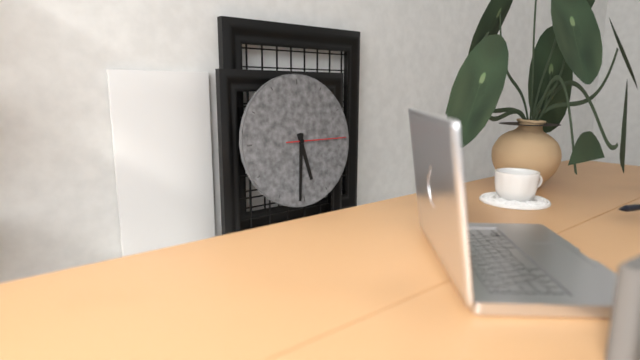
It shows 5h31m15s
